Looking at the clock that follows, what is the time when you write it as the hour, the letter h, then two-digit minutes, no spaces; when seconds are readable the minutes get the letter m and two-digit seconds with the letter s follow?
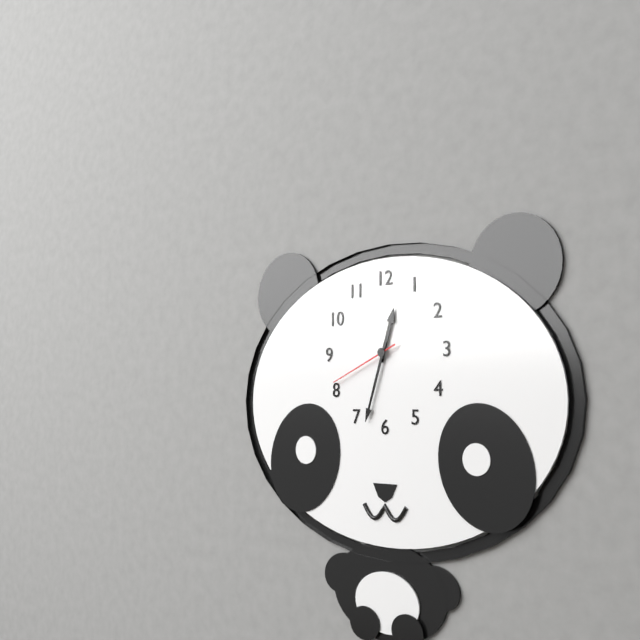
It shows 12h33m41s
